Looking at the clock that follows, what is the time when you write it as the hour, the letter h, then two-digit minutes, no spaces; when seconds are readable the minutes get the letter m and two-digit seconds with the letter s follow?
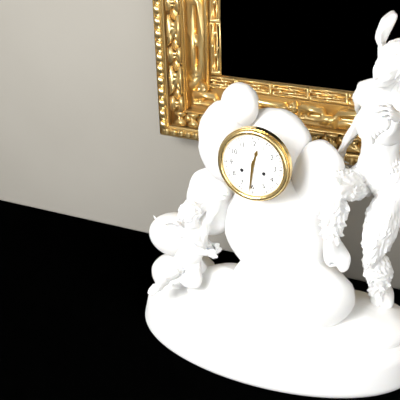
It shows 12h31
